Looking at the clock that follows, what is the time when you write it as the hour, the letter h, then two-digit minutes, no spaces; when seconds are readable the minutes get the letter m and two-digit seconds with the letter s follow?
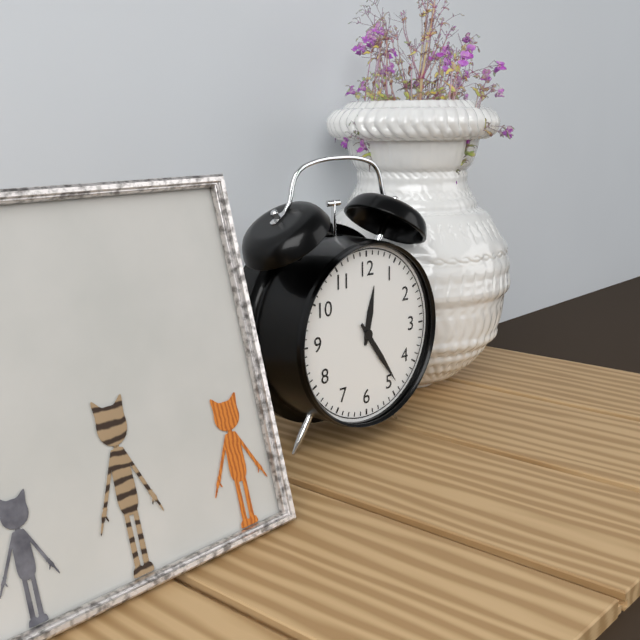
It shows 12h24
